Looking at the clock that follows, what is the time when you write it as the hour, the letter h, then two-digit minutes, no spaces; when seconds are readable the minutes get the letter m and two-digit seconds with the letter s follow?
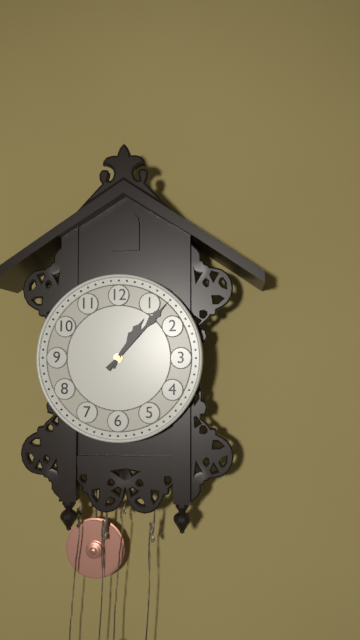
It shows 1h07
